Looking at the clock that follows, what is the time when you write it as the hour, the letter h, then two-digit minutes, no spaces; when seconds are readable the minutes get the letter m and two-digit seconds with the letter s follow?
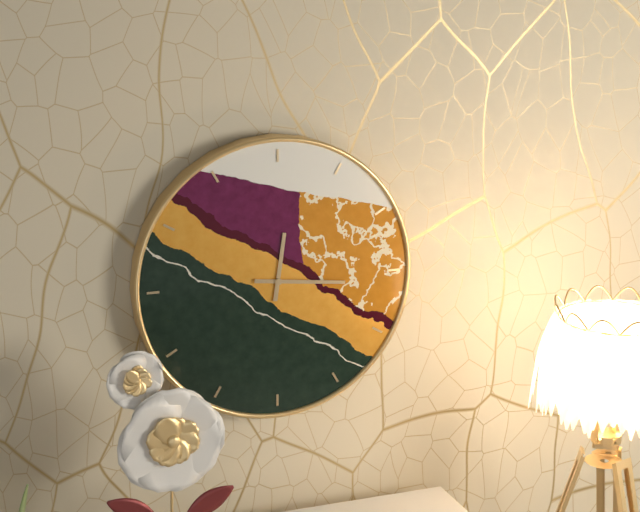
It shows 12h16
